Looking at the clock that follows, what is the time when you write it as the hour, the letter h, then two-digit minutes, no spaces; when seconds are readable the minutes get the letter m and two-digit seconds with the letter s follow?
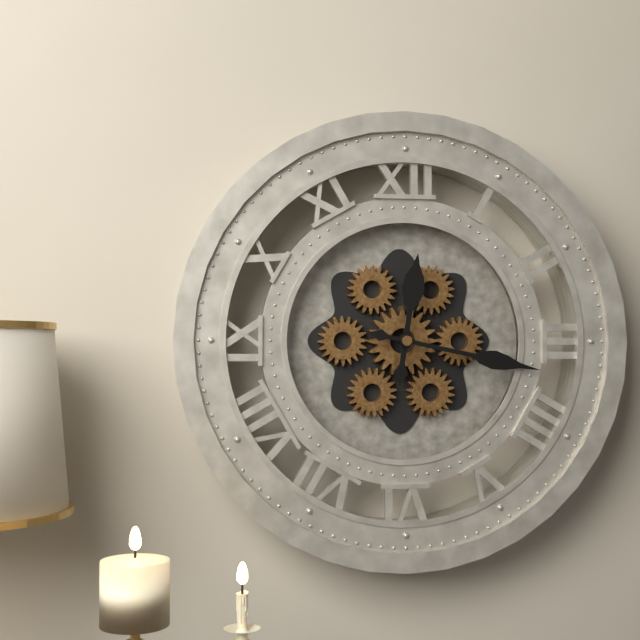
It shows 12h17
